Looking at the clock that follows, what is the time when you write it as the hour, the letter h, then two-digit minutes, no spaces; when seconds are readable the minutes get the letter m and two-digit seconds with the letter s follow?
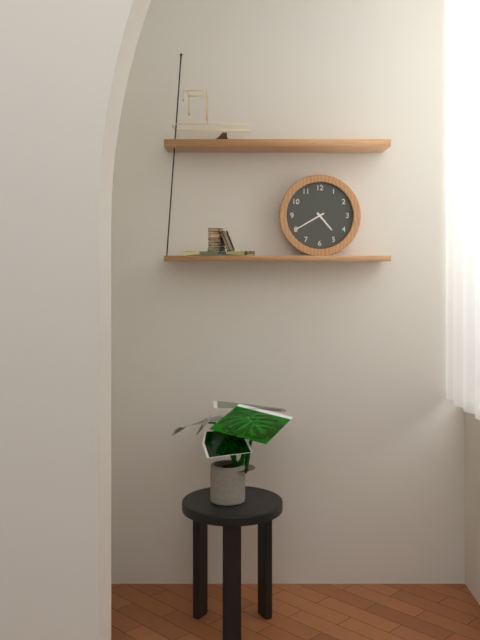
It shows 4h40
